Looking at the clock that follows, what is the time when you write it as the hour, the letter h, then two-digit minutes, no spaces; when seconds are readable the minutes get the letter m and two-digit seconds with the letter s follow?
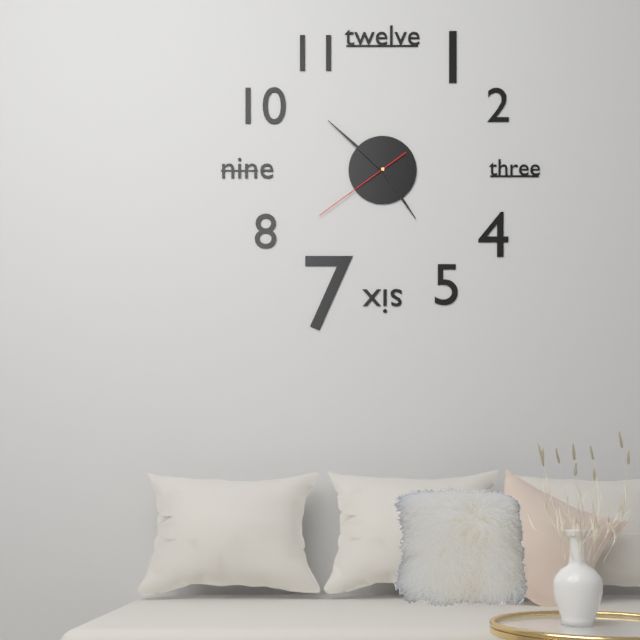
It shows 4h52m39s
